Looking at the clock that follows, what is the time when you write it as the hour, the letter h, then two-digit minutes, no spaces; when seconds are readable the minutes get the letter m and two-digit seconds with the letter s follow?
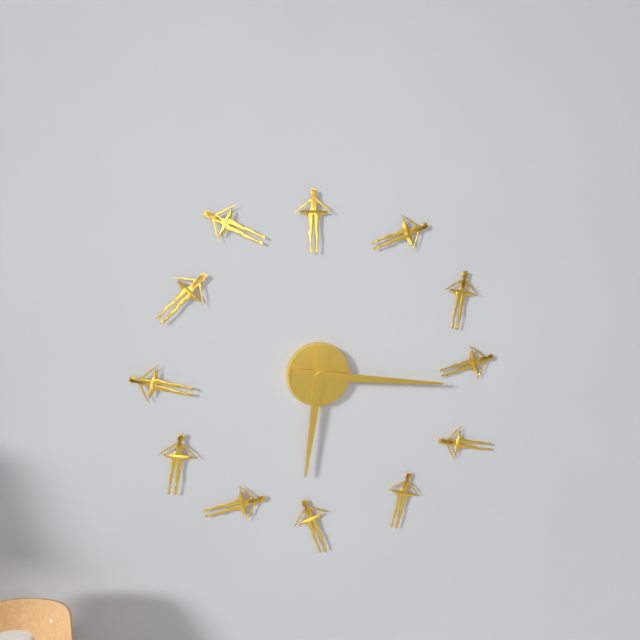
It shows 6h16
